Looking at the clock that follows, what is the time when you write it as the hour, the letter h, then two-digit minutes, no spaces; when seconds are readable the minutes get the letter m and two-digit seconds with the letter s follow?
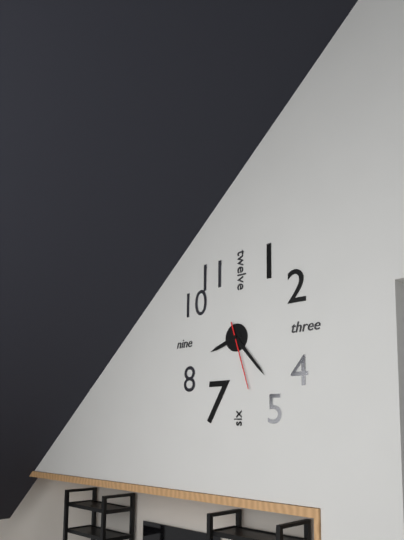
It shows 8h23m27s
